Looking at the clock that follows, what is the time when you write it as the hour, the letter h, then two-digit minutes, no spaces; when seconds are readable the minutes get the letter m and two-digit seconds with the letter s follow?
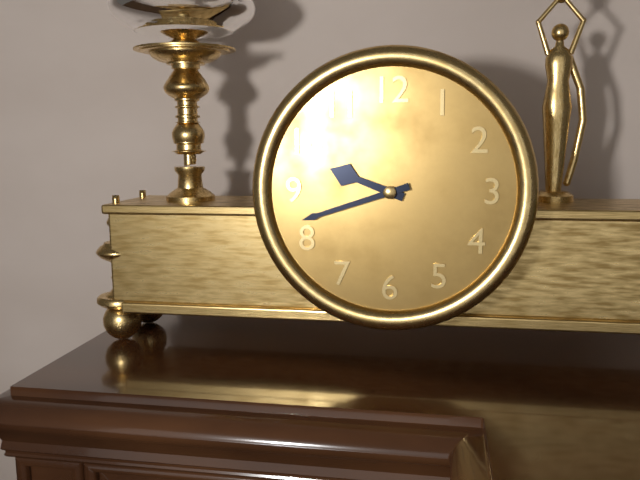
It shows 9h42
